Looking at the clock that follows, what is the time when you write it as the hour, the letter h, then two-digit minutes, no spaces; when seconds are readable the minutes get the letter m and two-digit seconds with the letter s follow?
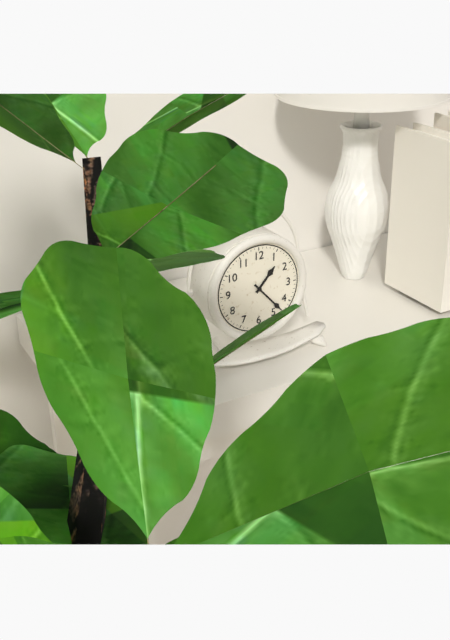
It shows 1h23
